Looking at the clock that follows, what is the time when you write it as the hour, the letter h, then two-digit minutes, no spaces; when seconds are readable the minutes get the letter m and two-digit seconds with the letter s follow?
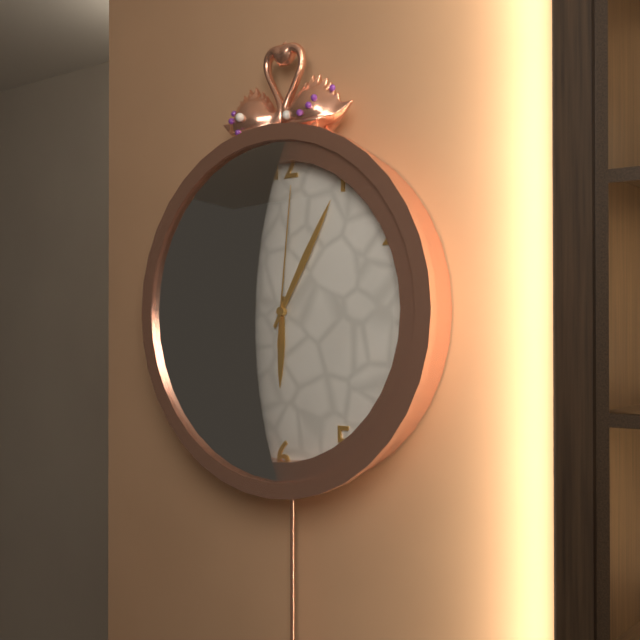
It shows 6h05m01s
